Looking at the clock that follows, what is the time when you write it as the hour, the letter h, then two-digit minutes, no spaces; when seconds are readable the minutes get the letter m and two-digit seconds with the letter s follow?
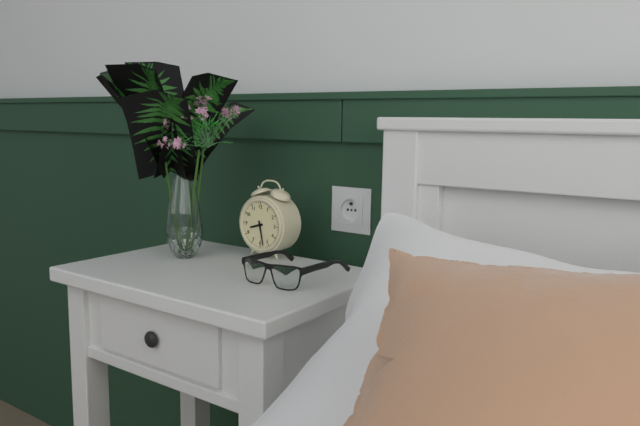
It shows 8h28
